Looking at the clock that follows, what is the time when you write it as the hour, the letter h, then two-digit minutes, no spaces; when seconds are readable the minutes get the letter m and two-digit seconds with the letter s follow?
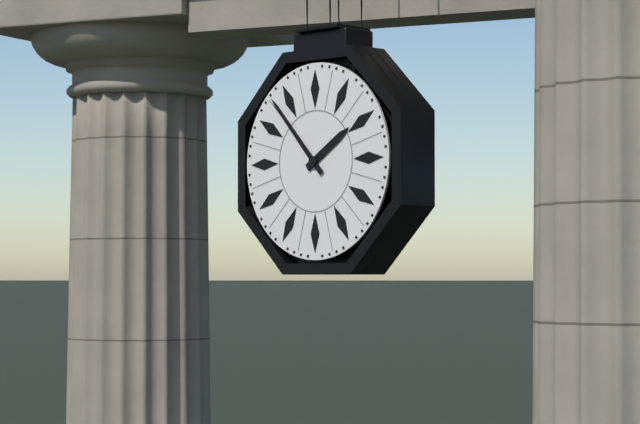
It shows 1h53
